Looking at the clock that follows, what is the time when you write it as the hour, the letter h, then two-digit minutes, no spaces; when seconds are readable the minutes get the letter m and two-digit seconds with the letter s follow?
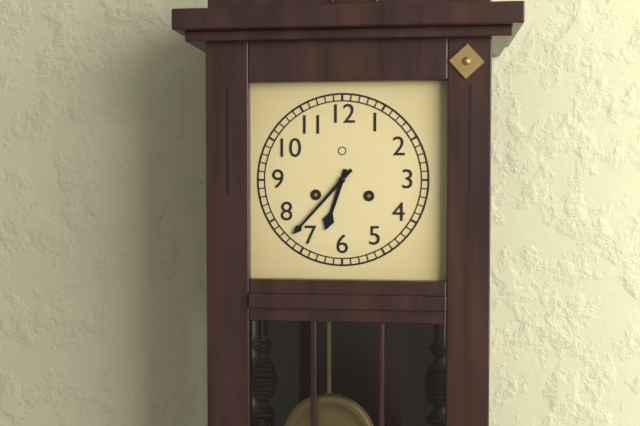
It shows 6h37
